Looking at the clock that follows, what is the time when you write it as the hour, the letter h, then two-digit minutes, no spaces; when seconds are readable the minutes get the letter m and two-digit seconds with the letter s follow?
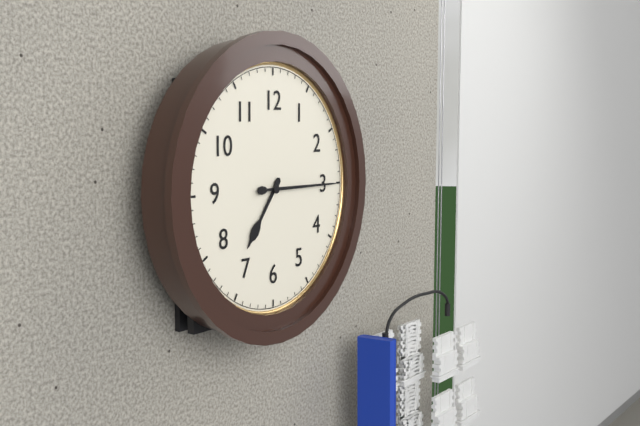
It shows 7h15
